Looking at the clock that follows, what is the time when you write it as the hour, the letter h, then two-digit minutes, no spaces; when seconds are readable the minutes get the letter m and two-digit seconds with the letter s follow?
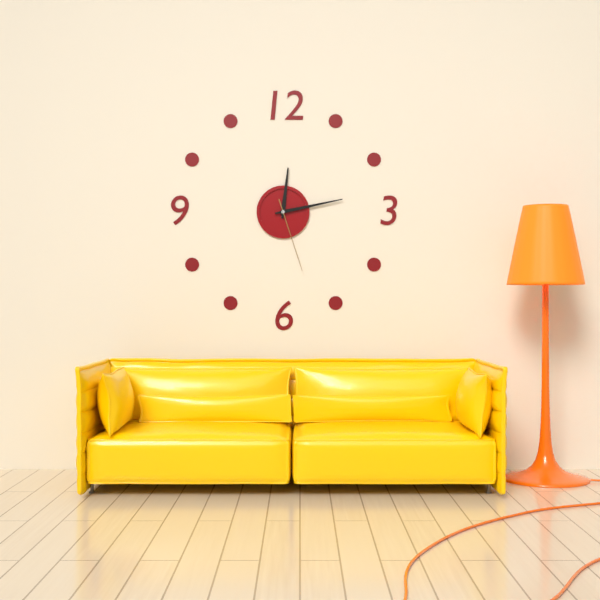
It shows 12h13m27s
